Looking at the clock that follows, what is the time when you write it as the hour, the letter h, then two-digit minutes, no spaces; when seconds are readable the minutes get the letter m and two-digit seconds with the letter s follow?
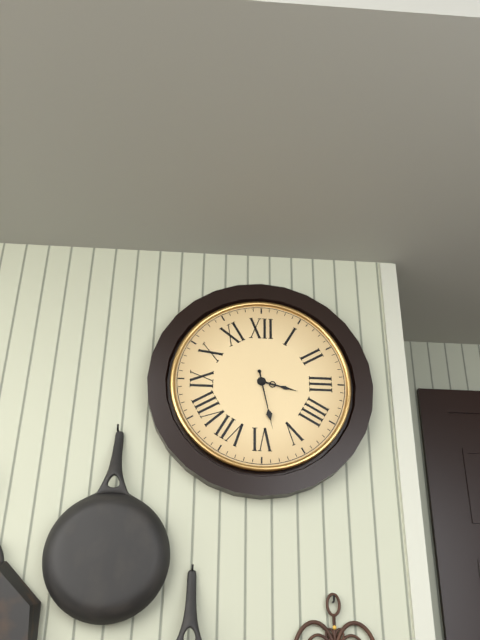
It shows 3h28
